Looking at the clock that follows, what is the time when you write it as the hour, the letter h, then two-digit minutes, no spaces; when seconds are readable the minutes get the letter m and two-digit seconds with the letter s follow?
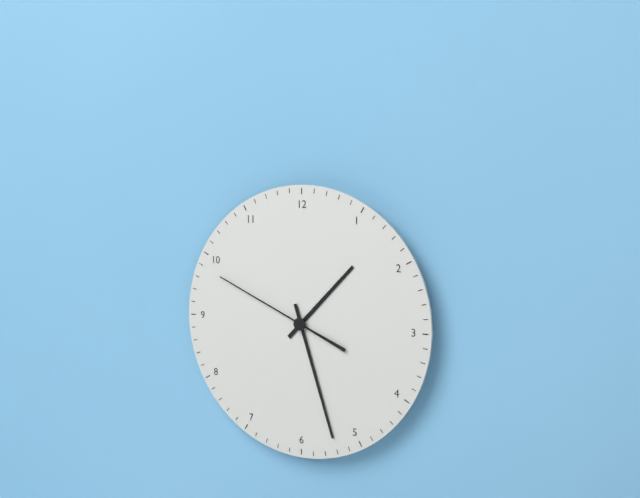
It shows 1h27m49s
